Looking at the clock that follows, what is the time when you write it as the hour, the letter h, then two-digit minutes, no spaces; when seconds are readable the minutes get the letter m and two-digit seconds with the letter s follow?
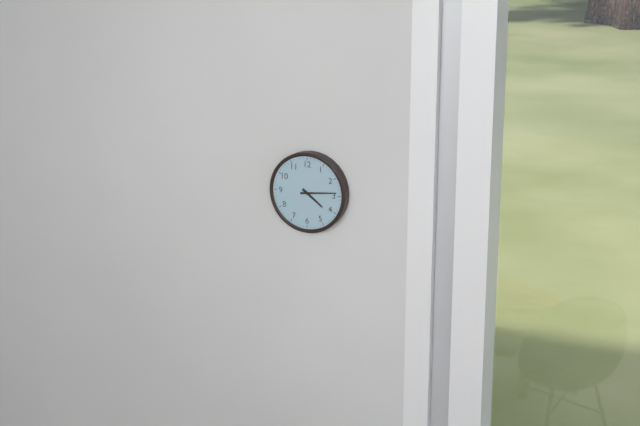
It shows 4h14
